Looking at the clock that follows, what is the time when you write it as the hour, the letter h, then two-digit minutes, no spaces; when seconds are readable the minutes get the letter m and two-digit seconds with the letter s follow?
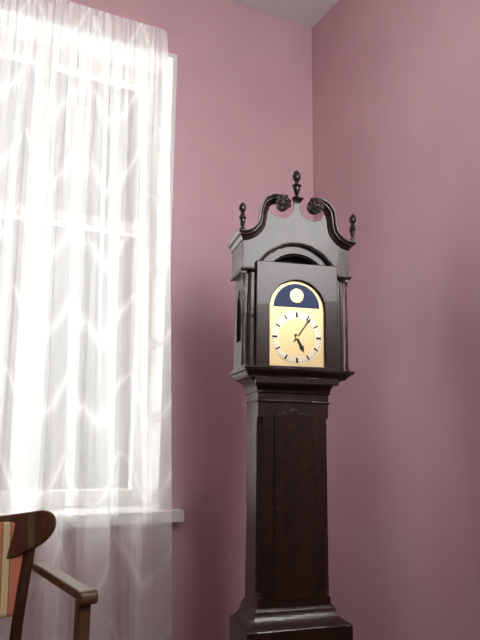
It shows 5h06
